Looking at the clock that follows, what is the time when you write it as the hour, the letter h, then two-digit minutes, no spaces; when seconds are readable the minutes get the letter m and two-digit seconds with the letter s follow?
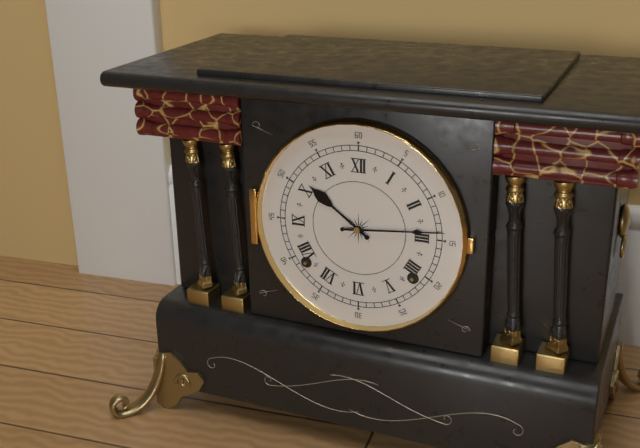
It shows 10h14
